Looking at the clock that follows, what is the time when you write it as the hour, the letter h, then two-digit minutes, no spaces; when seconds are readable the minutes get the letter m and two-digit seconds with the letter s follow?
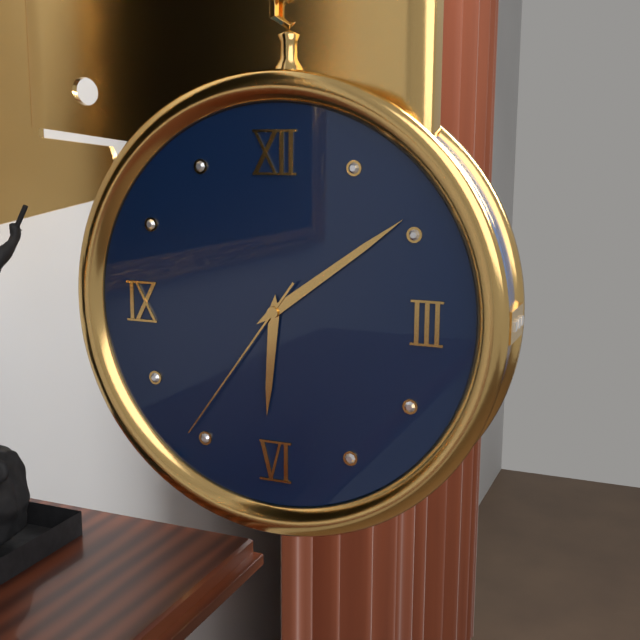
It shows 6h09m36s
